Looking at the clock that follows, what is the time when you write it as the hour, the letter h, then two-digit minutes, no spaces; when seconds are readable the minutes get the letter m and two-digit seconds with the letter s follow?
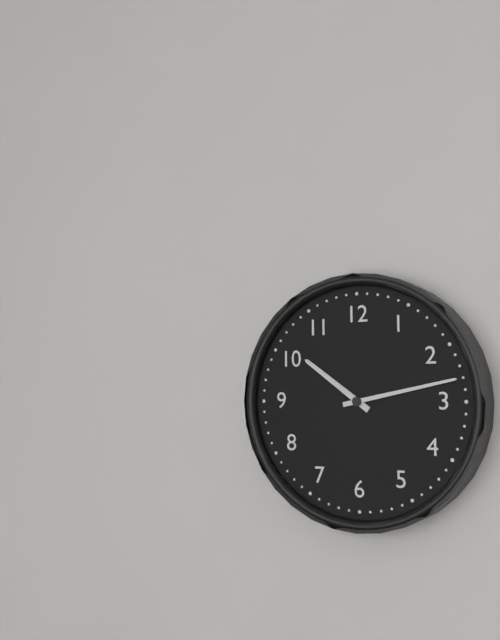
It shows 10h13
